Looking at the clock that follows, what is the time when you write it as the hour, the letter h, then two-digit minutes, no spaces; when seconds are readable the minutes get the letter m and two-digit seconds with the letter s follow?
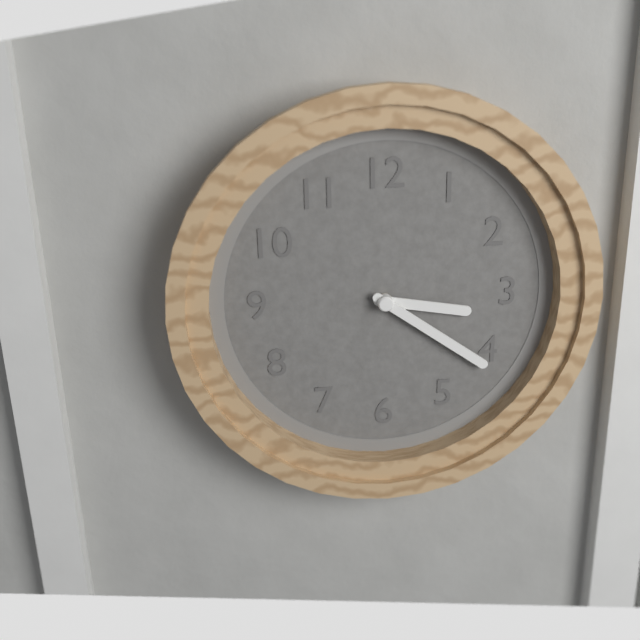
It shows 3h21
